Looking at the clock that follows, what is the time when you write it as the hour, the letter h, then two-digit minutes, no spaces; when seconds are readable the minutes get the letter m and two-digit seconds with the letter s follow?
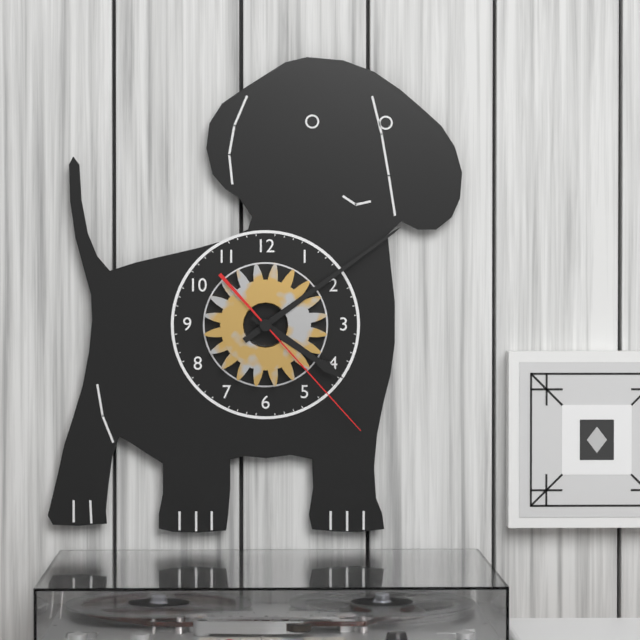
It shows 4h09m23s
